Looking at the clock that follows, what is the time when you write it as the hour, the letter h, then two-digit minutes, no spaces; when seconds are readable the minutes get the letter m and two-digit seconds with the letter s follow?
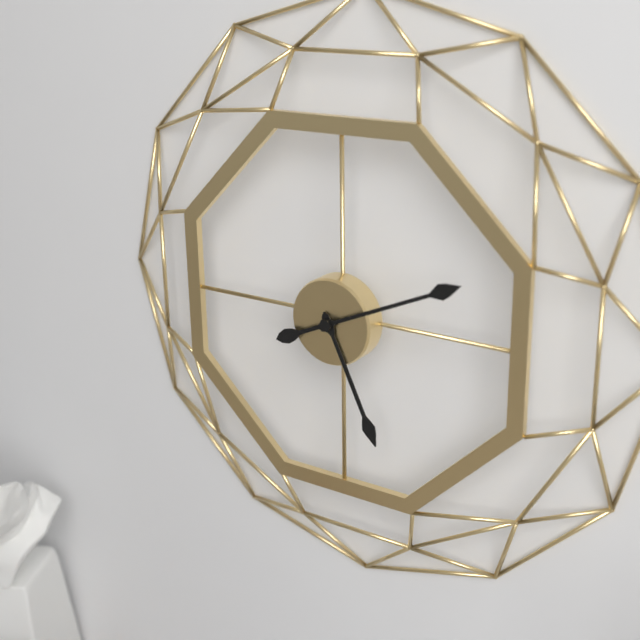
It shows 5h11
